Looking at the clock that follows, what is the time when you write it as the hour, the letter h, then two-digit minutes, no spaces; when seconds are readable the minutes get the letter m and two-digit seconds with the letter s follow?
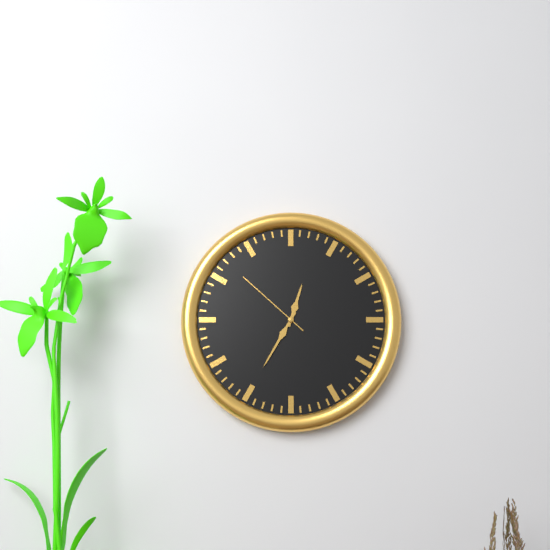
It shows 12h35m52s
